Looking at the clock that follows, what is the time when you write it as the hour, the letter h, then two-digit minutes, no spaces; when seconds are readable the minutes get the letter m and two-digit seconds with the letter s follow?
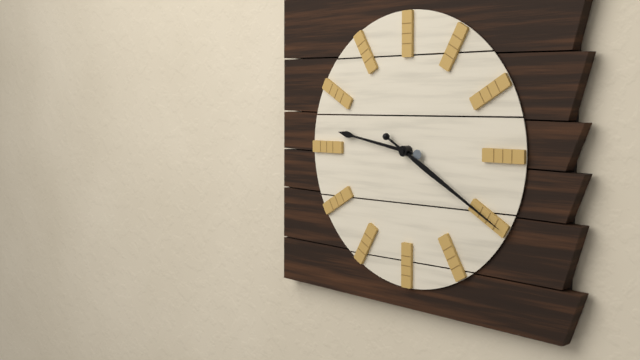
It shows 9h20
